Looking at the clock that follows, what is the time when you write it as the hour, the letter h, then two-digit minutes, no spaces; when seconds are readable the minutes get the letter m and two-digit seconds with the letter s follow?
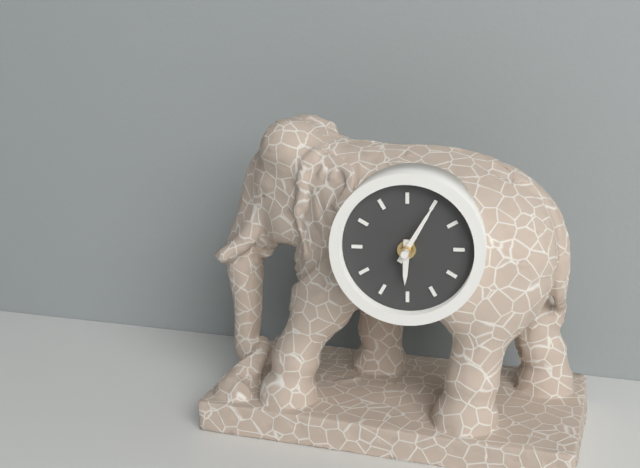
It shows 6h05
